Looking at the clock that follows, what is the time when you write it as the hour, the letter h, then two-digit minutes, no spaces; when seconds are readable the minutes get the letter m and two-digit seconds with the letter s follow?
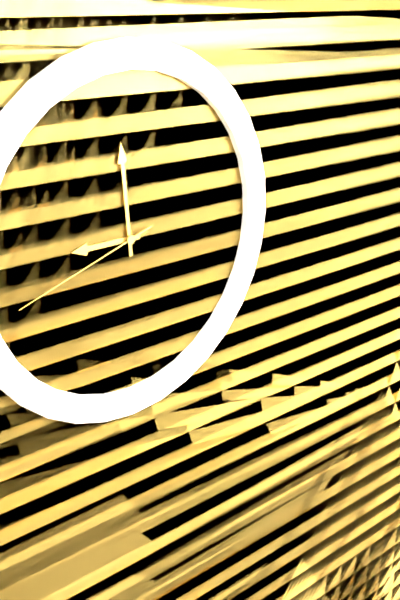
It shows 8h59m42s
